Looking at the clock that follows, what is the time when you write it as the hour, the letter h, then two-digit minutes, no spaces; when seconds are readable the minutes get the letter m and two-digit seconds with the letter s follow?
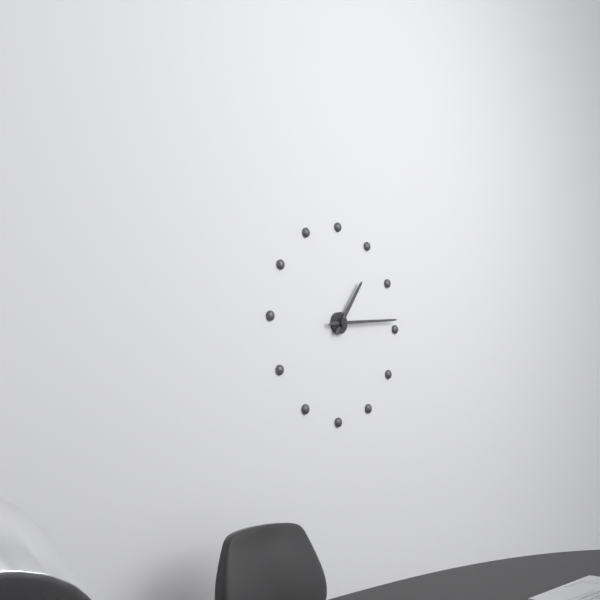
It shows 1h14
